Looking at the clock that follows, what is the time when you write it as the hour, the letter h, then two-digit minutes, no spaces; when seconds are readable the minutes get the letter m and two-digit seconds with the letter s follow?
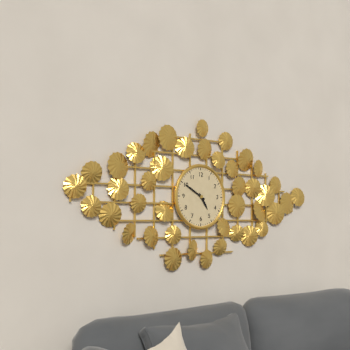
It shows 4h50
